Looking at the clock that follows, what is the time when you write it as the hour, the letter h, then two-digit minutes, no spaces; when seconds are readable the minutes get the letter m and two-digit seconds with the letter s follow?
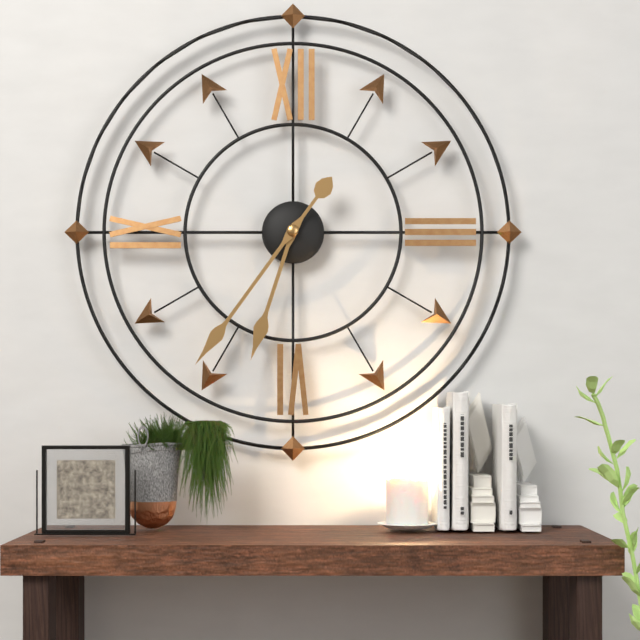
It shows 6h36
